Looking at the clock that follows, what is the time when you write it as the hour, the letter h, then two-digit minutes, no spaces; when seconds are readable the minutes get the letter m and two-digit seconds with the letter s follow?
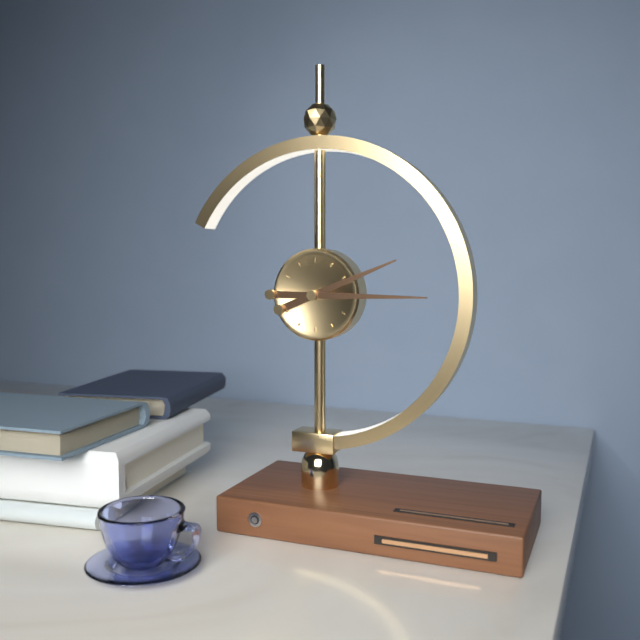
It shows 2h15
